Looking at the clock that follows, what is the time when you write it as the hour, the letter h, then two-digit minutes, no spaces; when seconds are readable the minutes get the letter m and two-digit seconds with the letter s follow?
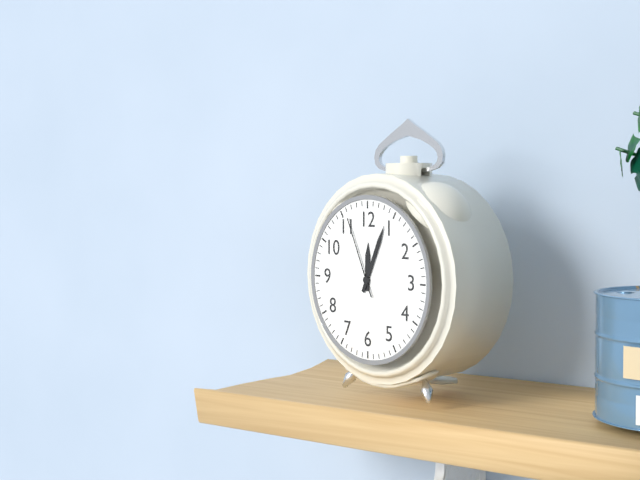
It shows 12h04m56s
